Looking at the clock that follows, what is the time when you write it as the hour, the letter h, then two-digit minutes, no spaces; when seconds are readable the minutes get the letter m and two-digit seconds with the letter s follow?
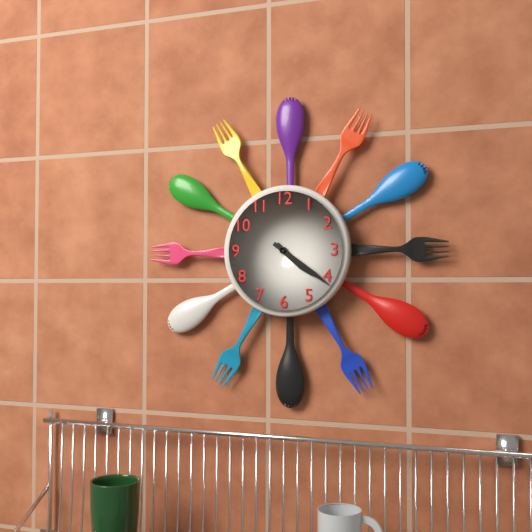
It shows 4h21
